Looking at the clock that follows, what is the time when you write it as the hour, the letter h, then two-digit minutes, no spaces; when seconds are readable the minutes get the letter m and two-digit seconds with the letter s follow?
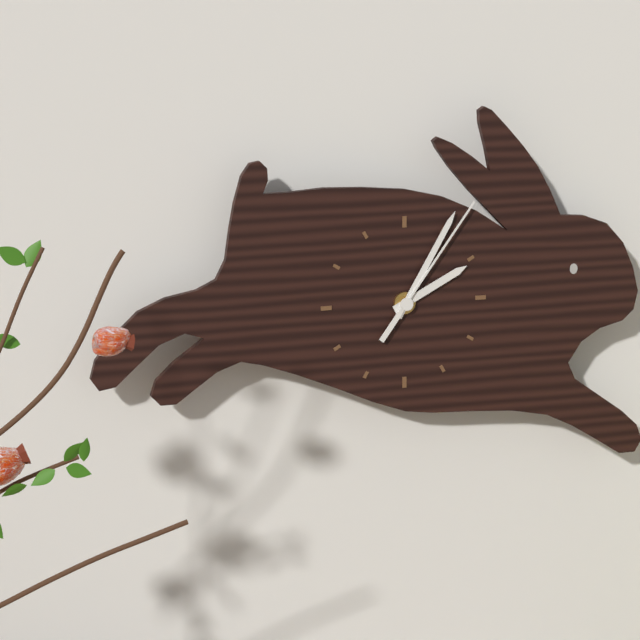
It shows 2h05m06s
